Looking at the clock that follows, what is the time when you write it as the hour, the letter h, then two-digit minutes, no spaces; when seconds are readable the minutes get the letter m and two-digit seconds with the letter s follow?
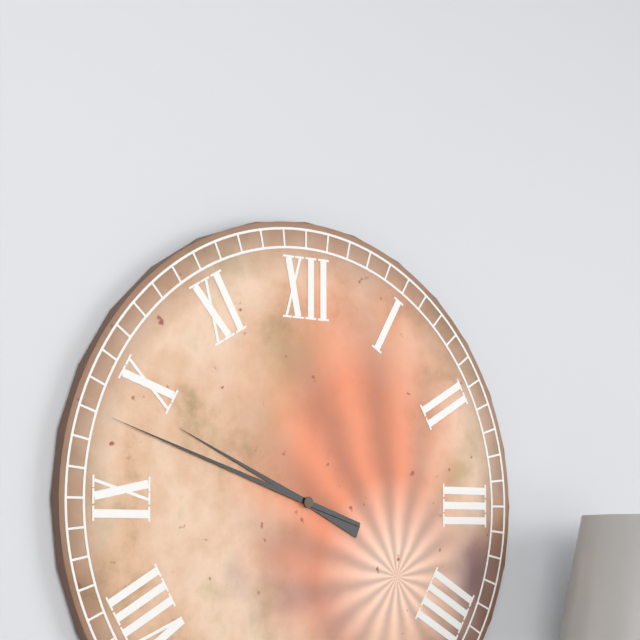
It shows 9h48
